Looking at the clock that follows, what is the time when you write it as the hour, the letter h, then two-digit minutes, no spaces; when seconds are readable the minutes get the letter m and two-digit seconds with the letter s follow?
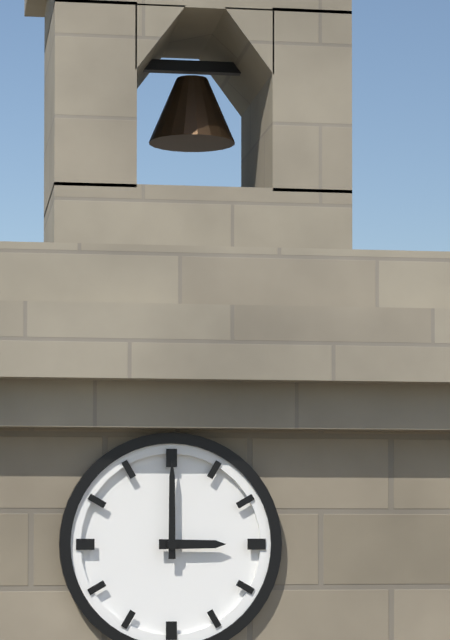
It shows 3h00
